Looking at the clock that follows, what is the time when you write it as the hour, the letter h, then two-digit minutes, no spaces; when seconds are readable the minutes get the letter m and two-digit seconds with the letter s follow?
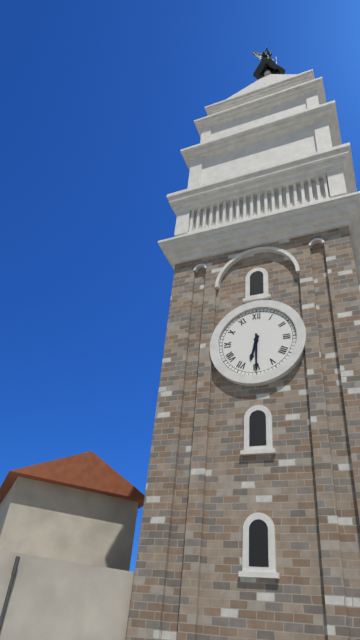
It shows 6h30
